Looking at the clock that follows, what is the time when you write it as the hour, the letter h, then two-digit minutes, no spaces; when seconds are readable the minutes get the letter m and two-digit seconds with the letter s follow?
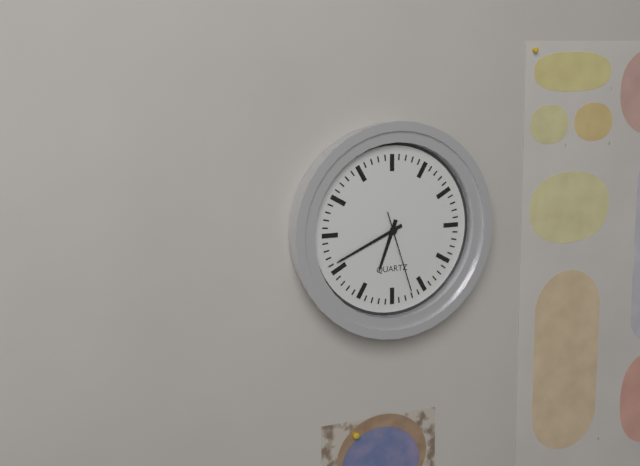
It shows 6h41m27s
